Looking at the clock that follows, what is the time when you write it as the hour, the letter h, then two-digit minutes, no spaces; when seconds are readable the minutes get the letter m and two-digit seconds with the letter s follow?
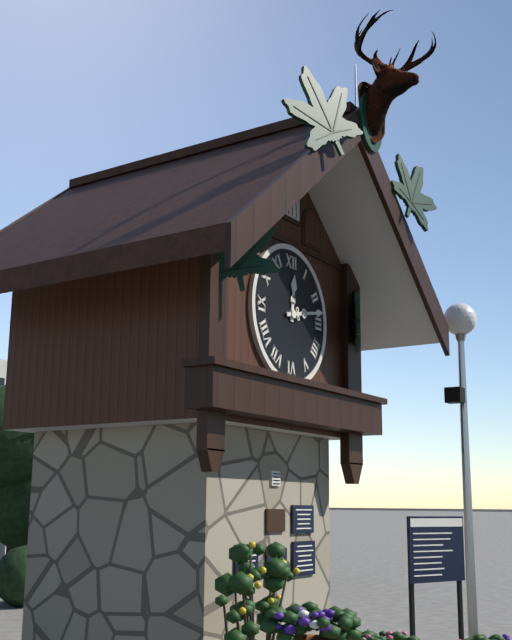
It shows 12h13
